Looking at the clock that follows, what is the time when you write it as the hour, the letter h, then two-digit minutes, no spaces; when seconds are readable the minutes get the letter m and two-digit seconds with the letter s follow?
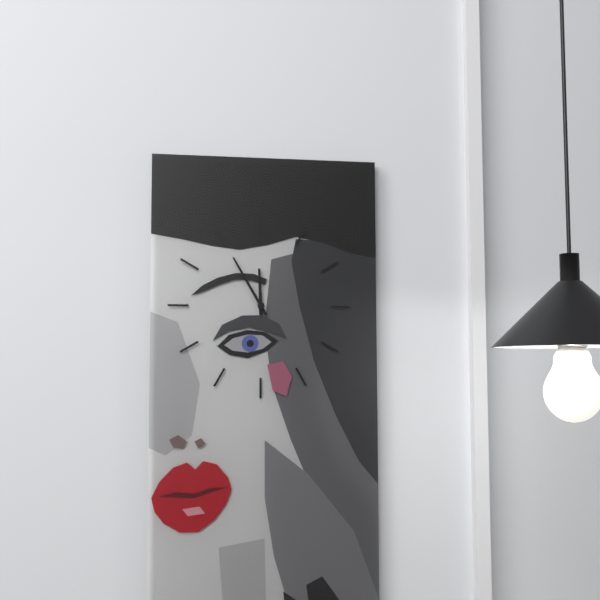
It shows 11h55
